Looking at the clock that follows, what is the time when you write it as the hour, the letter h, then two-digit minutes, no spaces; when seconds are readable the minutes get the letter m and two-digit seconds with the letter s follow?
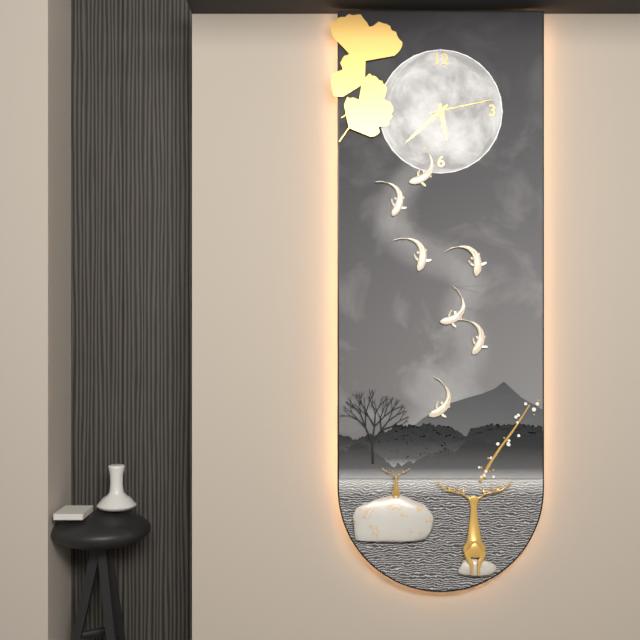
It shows 5h38m13s
